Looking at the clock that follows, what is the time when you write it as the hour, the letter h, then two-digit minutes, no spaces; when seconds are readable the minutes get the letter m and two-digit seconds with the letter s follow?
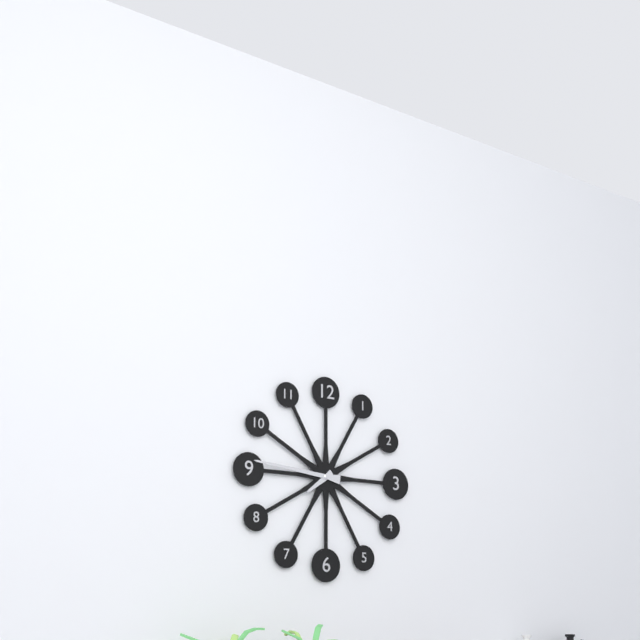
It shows 7h46
